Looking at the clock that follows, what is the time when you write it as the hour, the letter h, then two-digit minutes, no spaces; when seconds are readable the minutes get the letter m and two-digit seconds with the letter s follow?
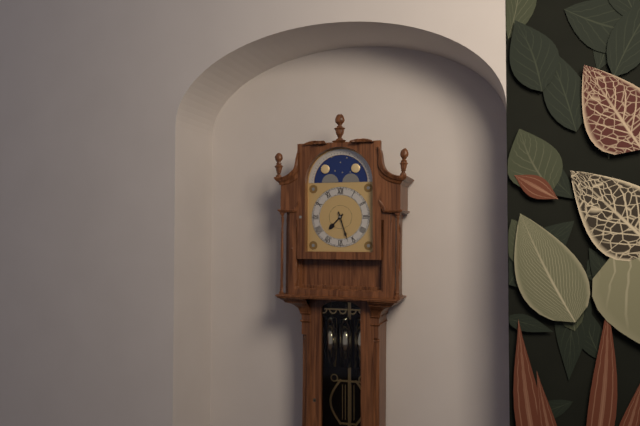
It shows 7h27
